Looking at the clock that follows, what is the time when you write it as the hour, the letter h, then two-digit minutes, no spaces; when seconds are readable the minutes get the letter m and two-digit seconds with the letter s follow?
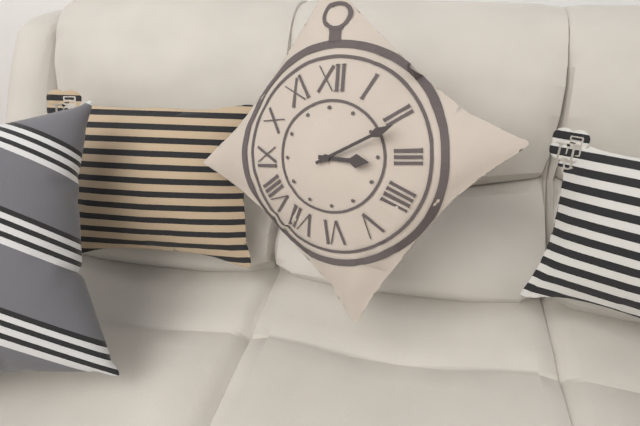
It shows 3h11
